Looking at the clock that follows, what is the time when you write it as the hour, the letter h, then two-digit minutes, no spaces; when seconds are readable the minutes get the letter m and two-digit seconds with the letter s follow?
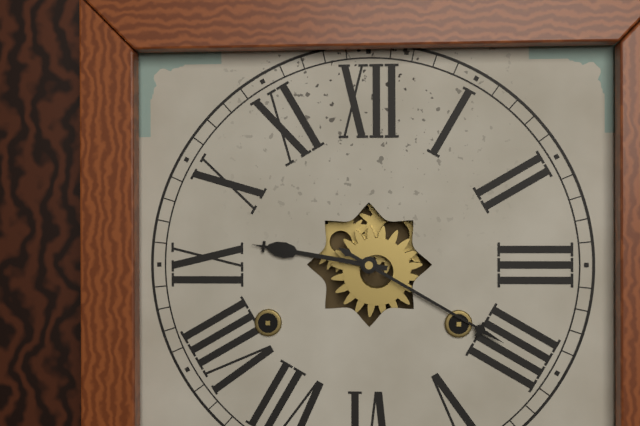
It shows 9h20
